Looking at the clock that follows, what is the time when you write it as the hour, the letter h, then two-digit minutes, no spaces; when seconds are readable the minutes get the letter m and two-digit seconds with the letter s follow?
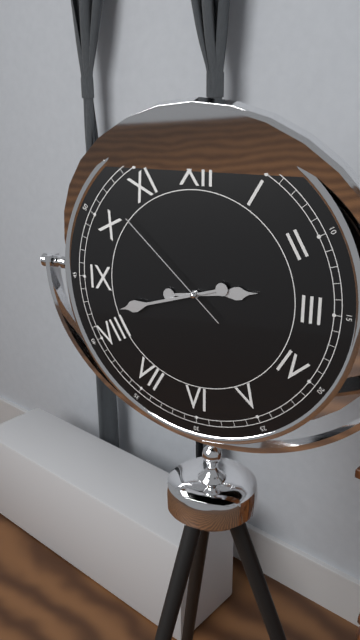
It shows 2h42m52s
